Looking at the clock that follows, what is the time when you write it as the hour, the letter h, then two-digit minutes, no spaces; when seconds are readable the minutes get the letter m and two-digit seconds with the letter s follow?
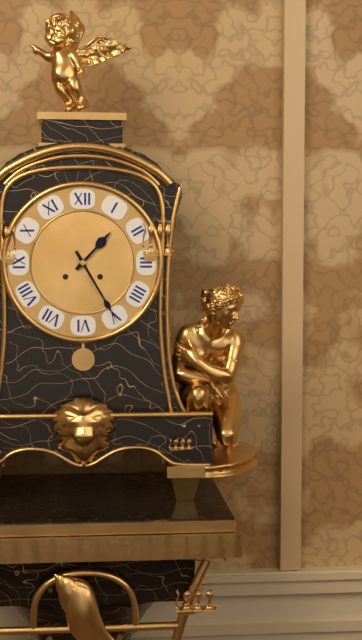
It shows 1h25
